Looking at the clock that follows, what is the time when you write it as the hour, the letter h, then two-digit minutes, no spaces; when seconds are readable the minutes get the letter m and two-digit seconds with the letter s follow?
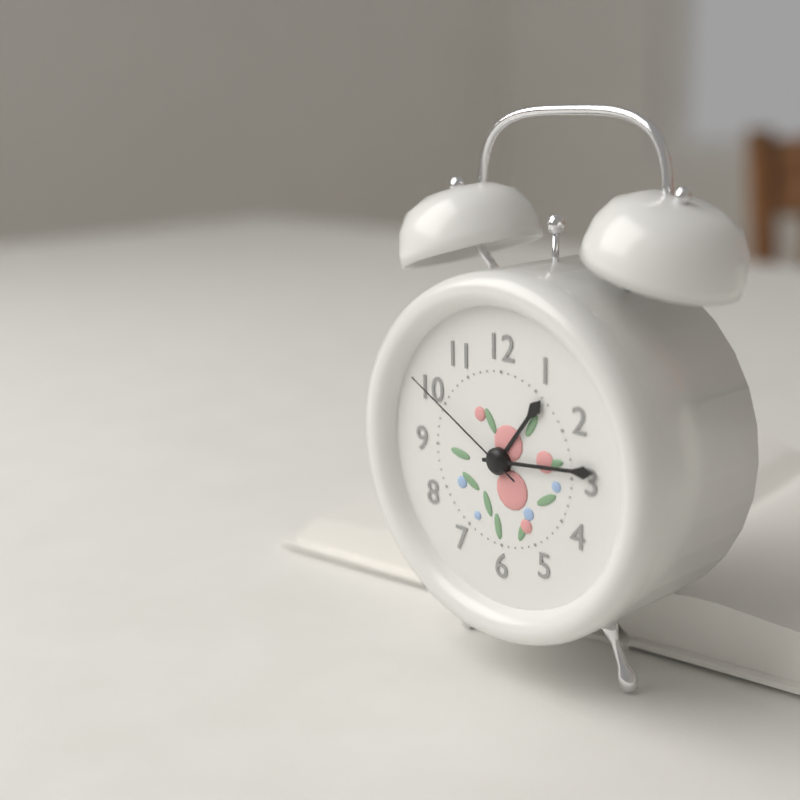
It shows 1h14m50s
